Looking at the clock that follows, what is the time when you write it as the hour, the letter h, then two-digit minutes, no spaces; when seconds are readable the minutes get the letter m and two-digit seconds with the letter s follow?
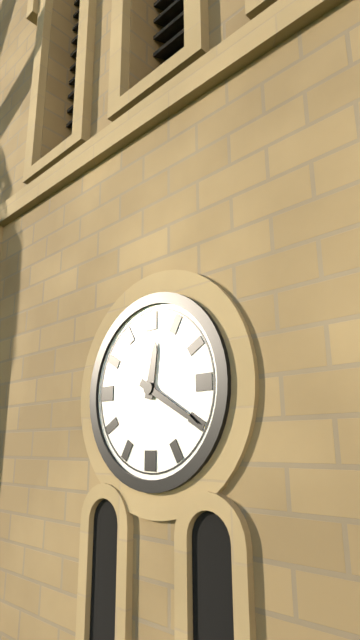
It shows 12h20
